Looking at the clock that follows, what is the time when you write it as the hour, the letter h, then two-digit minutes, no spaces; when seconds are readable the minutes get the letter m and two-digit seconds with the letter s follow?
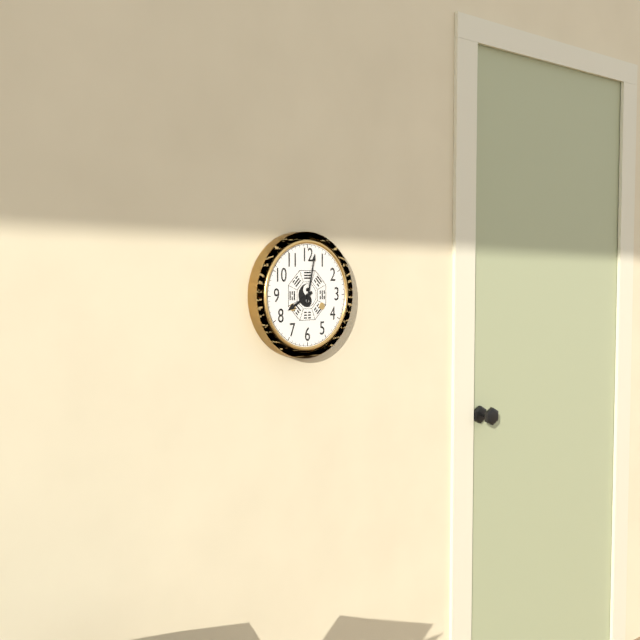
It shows 8h02
